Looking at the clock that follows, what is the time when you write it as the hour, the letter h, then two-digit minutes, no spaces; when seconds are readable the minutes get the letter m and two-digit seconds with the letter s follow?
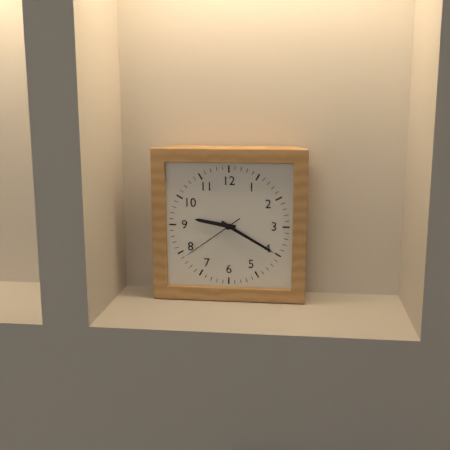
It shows 9h20m39s
